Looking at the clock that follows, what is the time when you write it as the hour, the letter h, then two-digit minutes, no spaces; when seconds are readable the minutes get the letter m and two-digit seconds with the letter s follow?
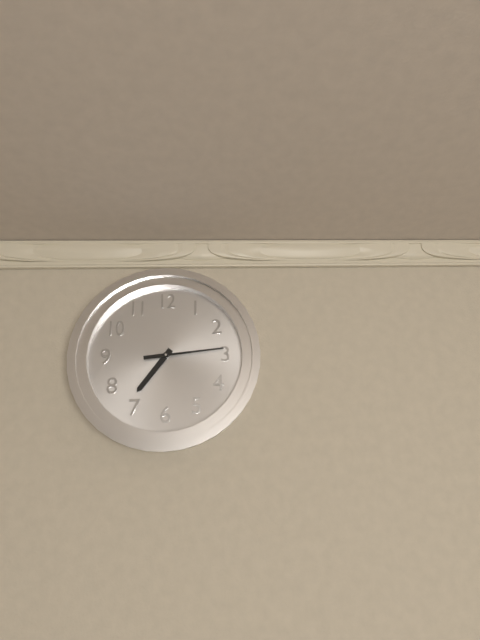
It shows 7h14
